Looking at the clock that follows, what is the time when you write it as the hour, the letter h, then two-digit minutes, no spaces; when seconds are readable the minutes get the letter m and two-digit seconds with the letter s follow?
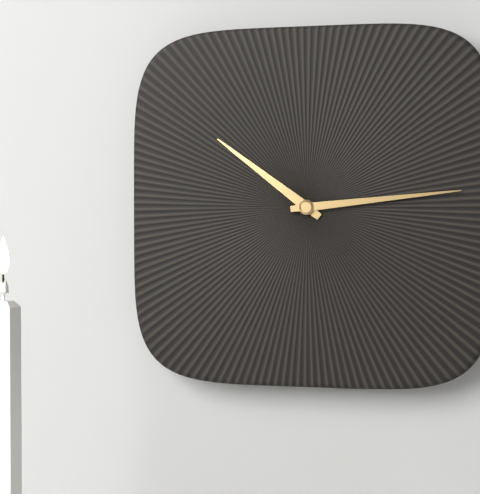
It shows 10h14
